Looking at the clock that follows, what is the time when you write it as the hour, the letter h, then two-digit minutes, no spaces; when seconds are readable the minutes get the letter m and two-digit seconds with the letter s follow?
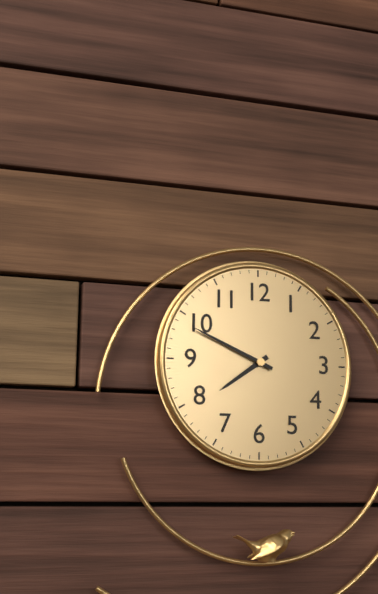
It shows 7h49
